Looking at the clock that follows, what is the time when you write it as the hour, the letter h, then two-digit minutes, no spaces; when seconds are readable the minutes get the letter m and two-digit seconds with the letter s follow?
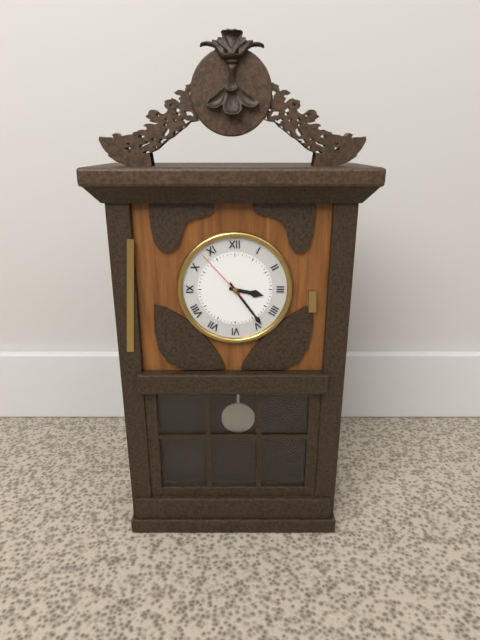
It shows 3h24m53s
